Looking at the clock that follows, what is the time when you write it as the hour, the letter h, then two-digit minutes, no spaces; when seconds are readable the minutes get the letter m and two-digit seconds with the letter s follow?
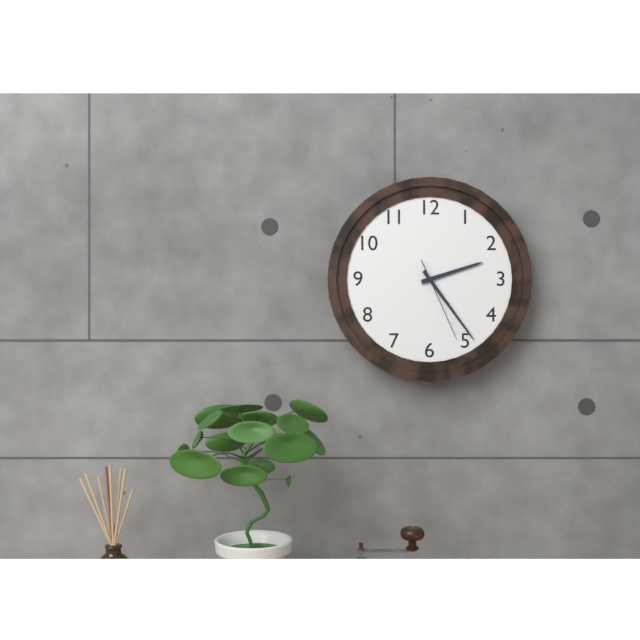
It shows 2h24m26s
